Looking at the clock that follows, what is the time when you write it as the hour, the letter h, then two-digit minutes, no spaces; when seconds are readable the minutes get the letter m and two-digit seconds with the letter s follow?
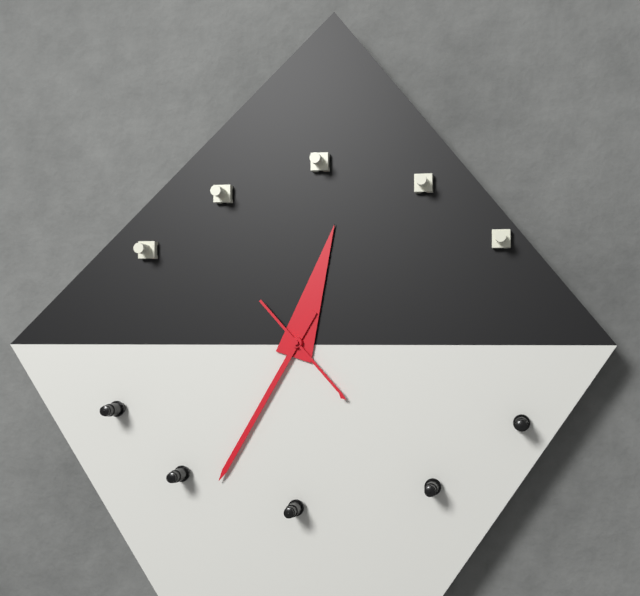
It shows 12h35m23s
